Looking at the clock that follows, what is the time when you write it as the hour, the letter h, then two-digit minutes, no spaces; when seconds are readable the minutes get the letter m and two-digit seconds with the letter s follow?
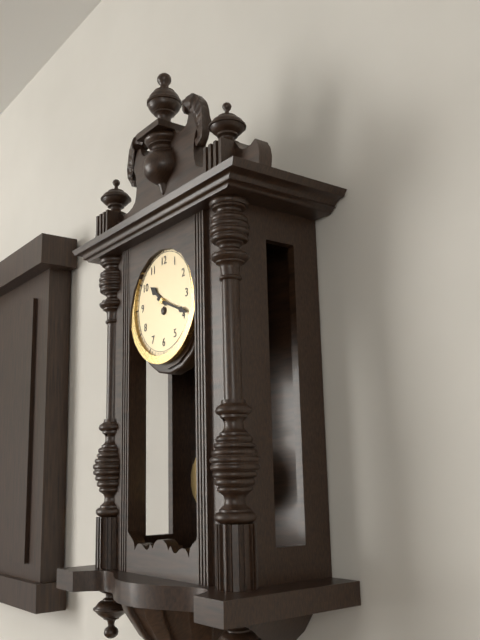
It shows 10h19
